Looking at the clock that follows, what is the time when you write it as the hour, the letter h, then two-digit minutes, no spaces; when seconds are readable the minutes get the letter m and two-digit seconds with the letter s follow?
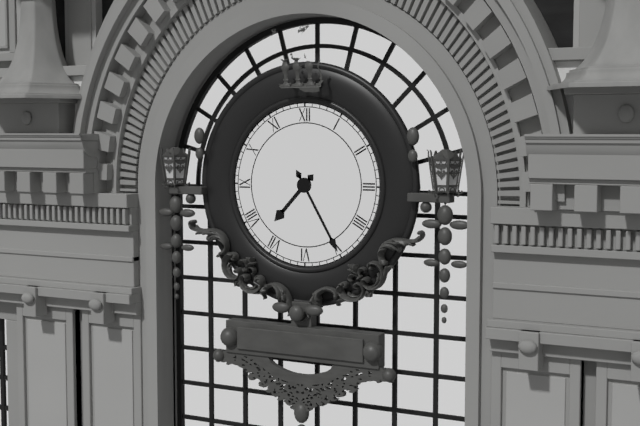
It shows 7h25
